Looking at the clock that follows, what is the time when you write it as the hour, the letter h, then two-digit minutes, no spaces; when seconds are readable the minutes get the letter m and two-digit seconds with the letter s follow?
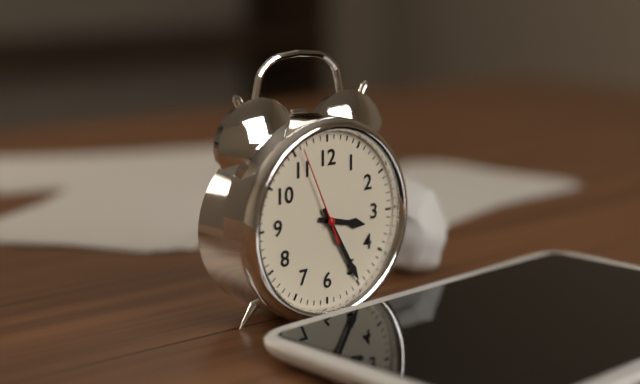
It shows 3h25m56s
